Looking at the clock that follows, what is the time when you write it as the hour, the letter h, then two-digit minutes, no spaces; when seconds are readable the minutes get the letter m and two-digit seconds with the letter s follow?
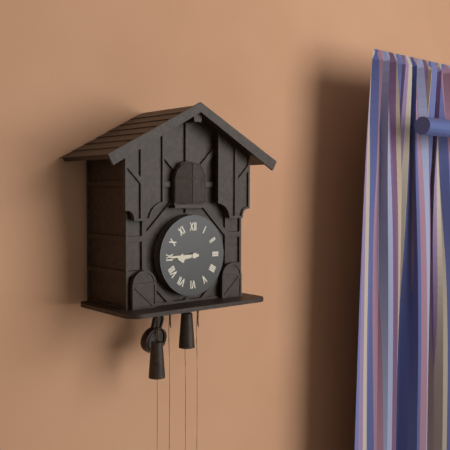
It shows 8h45
